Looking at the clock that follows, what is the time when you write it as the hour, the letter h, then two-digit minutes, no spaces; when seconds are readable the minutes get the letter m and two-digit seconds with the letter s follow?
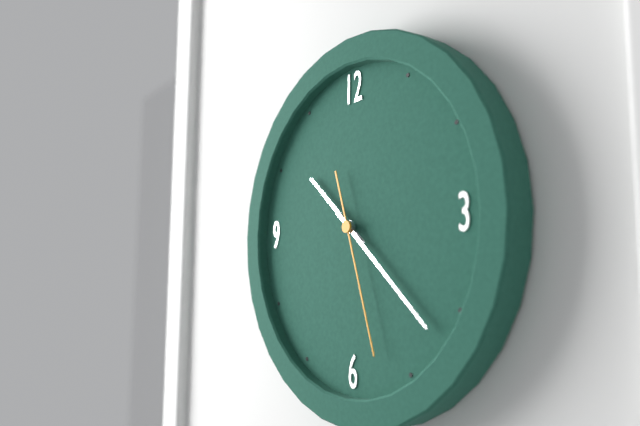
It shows 10h22m27s
